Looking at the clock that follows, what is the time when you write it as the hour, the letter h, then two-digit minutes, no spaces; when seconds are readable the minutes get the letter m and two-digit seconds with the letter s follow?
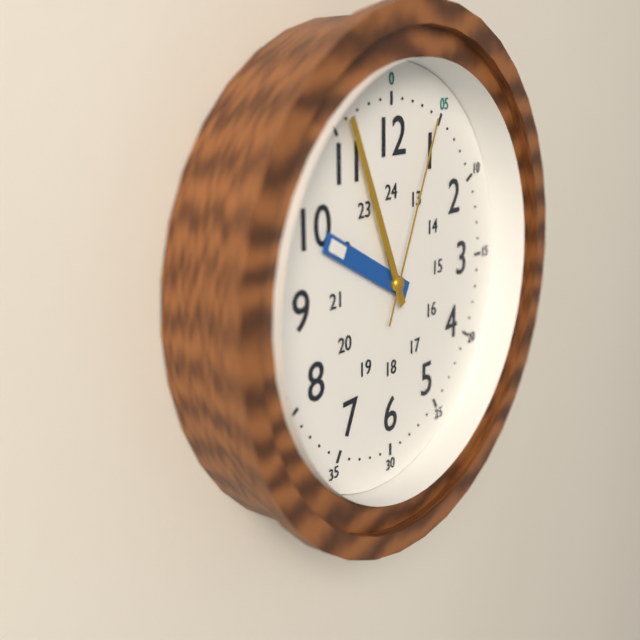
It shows 9h56m04s
